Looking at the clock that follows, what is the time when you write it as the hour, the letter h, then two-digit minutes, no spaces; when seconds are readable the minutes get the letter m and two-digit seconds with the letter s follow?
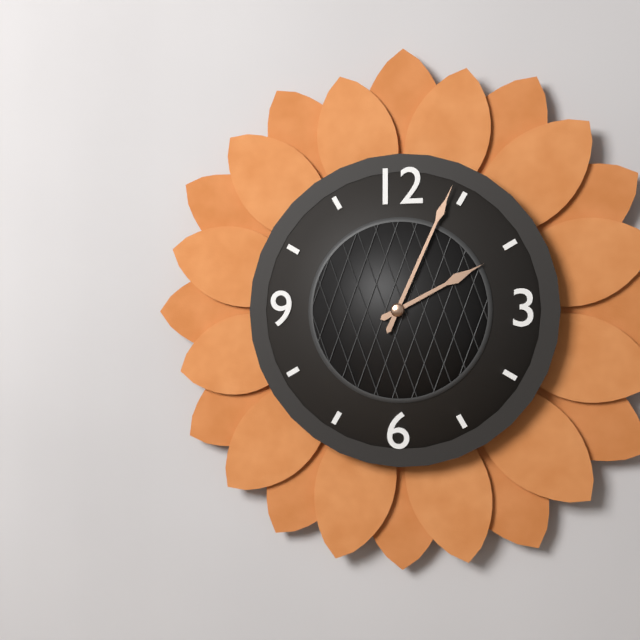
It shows 2h04
